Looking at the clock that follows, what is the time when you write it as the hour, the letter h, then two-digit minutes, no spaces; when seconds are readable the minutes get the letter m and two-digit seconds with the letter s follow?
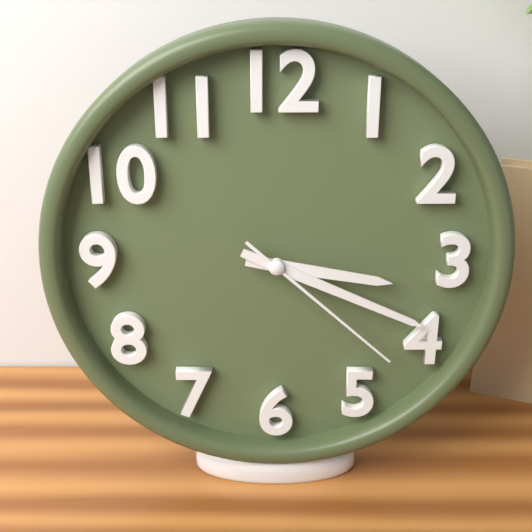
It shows 3h19m22s
